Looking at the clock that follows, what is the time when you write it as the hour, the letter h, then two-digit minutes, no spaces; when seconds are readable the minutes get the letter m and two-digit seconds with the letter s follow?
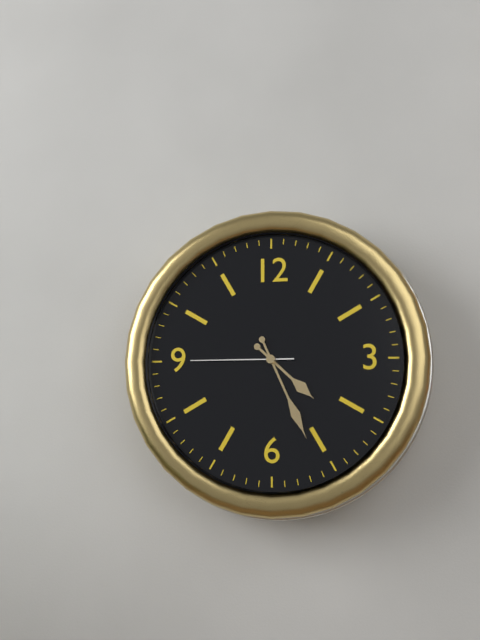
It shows 4h26m45s
